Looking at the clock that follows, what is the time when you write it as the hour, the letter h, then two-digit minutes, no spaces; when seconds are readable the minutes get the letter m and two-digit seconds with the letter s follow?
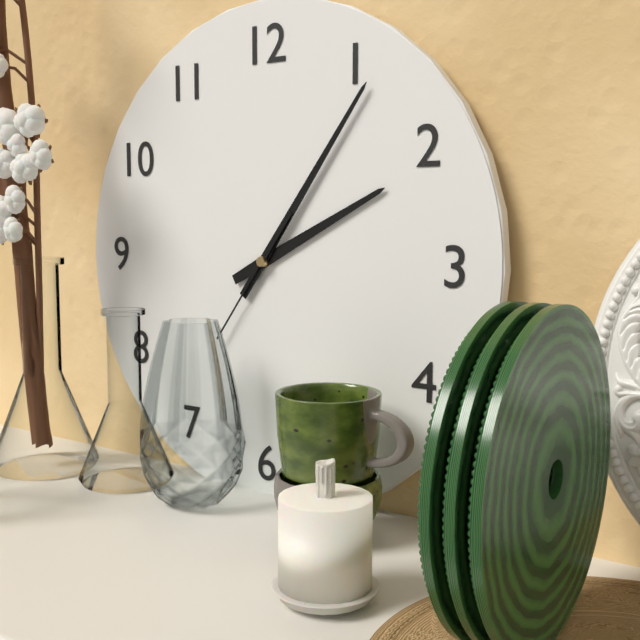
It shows 2h06m36s
